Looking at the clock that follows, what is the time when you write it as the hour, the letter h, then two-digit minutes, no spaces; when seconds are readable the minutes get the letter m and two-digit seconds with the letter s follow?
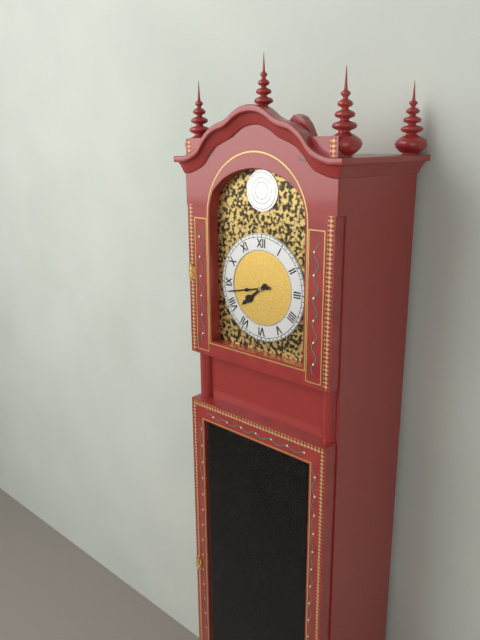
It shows 7h43
